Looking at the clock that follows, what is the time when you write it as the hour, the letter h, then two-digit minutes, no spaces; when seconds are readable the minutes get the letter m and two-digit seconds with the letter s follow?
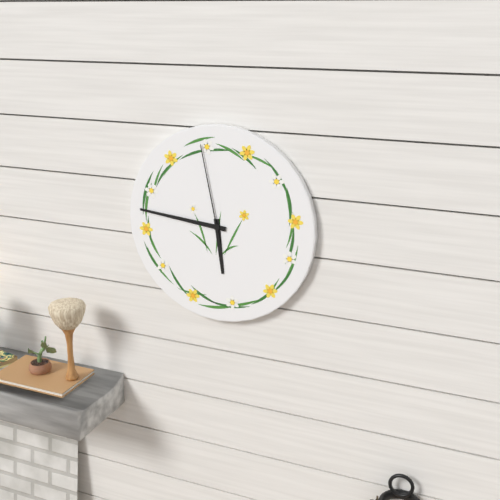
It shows 5h46m58s
